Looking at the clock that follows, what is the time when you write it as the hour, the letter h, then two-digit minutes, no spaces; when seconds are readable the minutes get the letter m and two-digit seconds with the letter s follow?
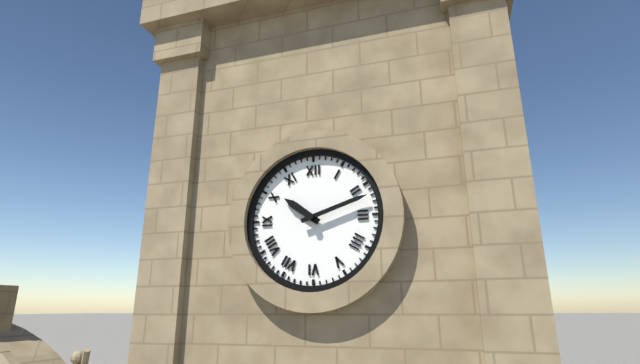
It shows 10h12
